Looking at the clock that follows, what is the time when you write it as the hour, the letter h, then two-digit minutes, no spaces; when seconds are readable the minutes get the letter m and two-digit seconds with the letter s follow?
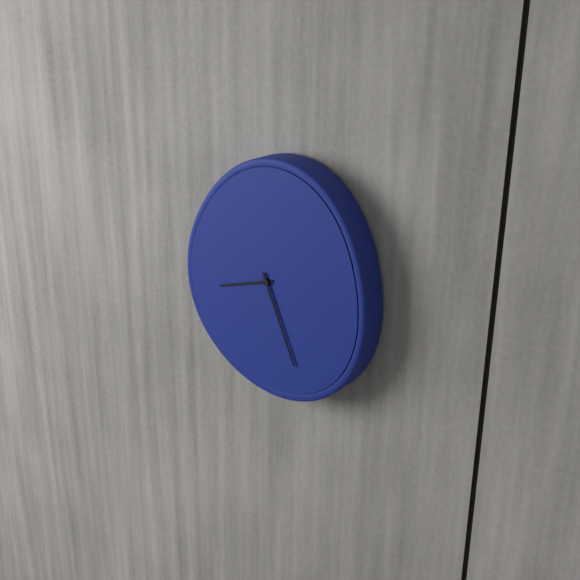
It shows 8h26
